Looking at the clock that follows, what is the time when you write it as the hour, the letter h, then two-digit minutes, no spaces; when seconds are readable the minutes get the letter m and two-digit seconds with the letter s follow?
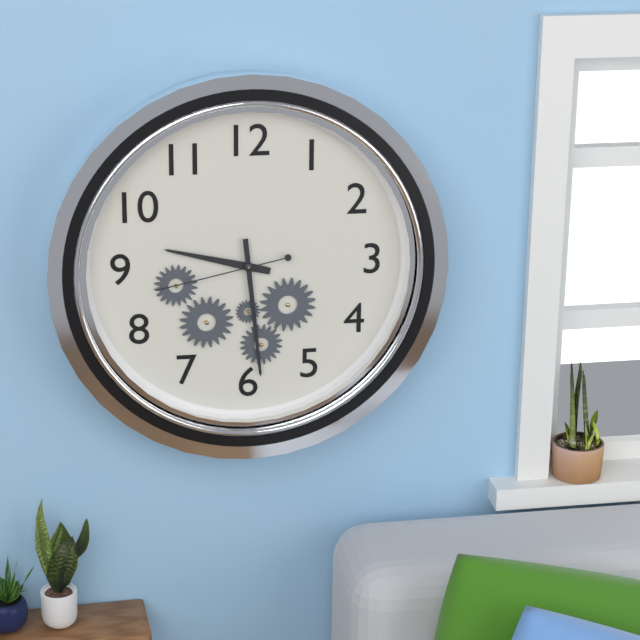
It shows 9h29m43s
